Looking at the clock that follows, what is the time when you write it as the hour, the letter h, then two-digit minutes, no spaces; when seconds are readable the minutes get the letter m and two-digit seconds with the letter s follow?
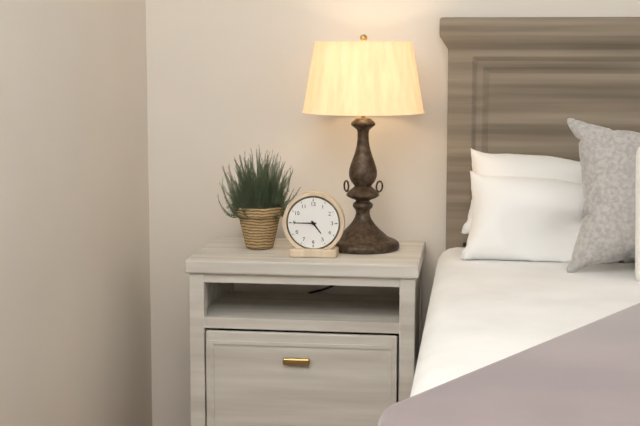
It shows 4h45
